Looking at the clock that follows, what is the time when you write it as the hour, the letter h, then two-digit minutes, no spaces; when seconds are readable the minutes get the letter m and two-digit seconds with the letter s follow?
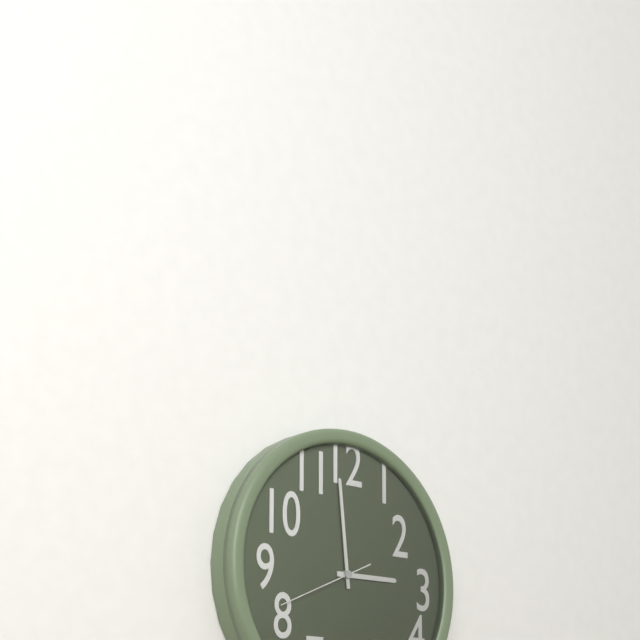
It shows 2h59m41s
